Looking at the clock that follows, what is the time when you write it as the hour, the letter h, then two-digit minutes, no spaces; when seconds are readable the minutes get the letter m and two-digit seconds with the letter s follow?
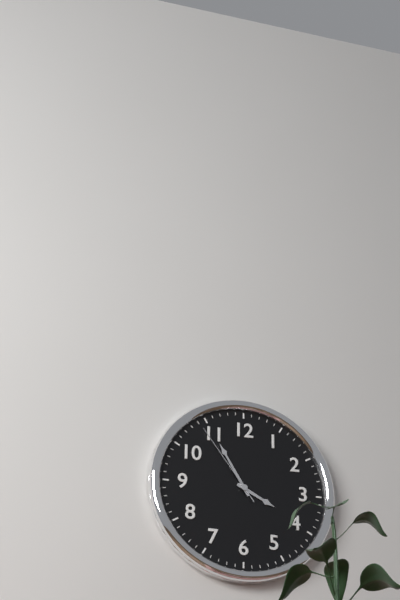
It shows 3h55m54s
